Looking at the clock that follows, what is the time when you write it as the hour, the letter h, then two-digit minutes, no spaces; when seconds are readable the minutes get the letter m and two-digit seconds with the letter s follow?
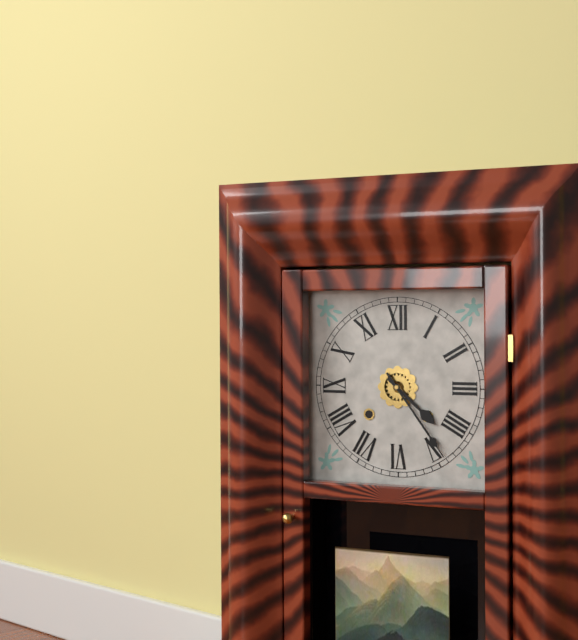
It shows 4h24
